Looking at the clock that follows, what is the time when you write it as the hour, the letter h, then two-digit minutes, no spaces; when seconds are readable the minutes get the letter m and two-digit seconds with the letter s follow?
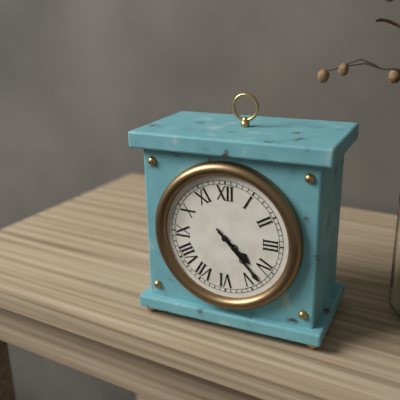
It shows 4h23
